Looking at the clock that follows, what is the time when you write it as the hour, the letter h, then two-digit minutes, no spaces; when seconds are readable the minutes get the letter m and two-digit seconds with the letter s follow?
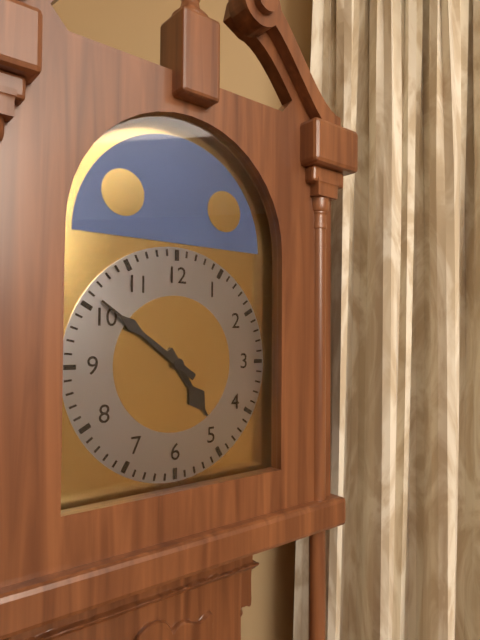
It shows 4h51
